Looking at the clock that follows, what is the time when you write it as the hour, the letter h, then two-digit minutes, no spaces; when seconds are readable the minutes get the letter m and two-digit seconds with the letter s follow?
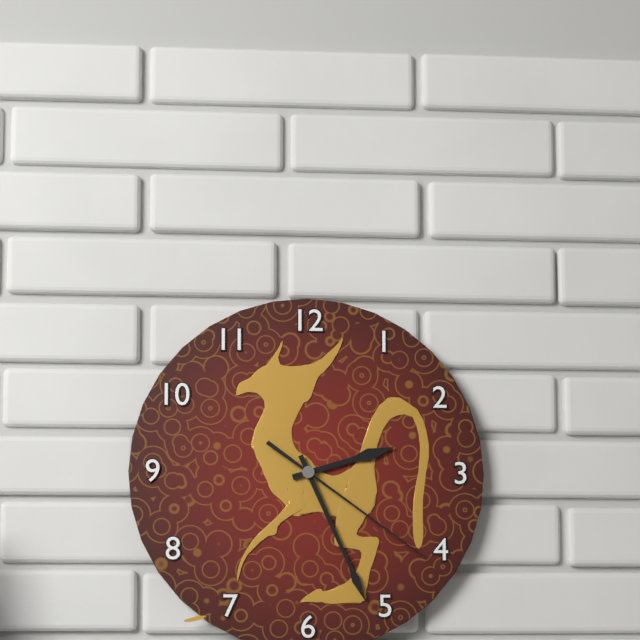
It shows 2h26m21s
